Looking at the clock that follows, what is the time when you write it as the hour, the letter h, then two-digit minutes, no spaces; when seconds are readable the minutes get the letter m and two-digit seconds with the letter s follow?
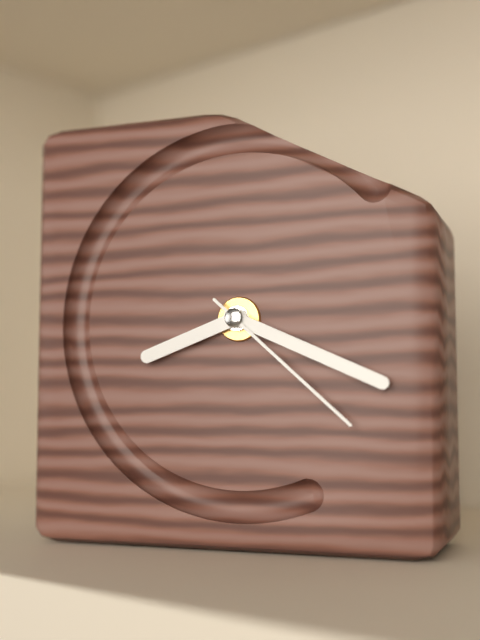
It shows 8h19m22s
